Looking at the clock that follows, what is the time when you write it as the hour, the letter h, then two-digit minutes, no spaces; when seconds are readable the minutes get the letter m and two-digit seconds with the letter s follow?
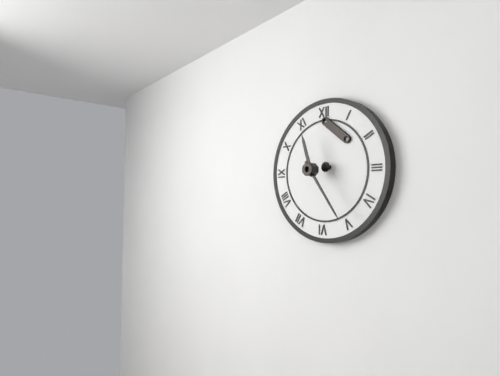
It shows 11h24
